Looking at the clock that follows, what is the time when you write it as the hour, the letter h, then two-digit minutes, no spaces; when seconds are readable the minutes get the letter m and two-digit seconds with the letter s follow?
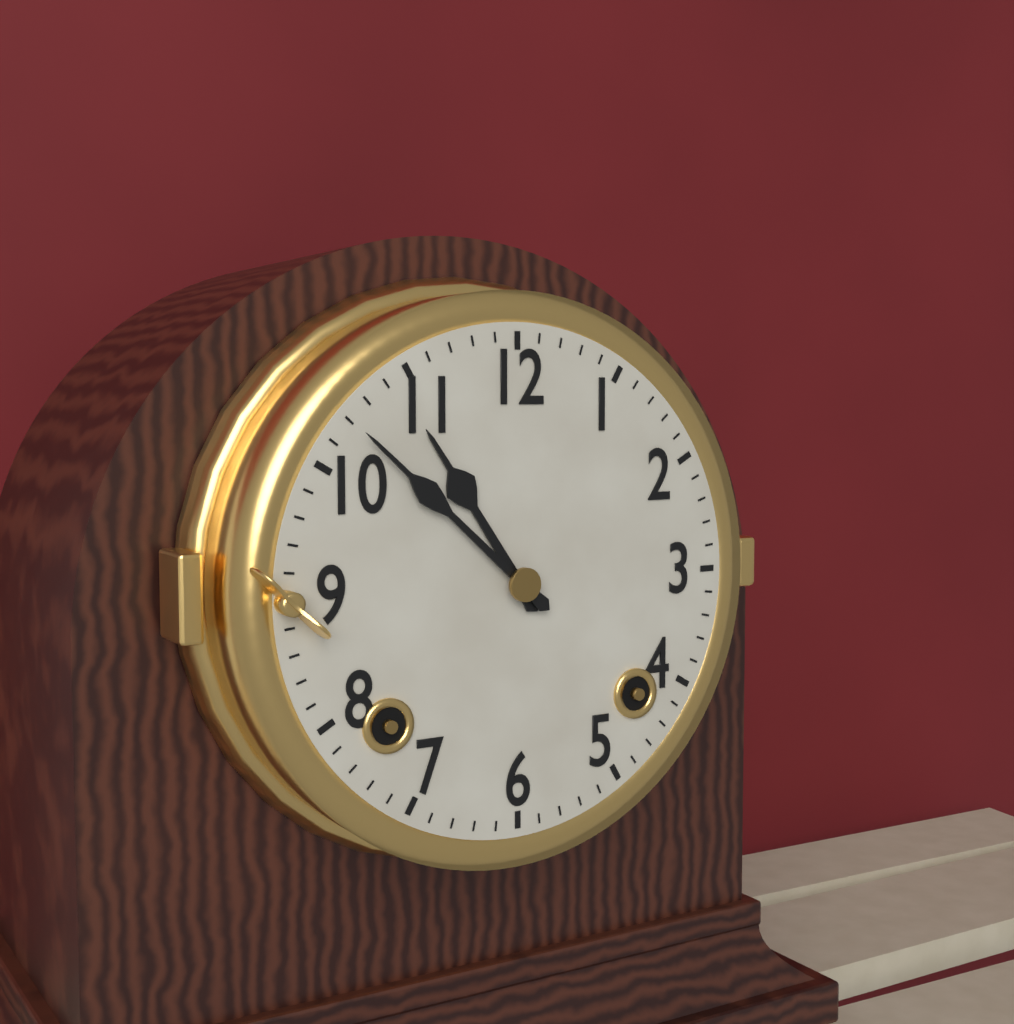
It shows 10h52
